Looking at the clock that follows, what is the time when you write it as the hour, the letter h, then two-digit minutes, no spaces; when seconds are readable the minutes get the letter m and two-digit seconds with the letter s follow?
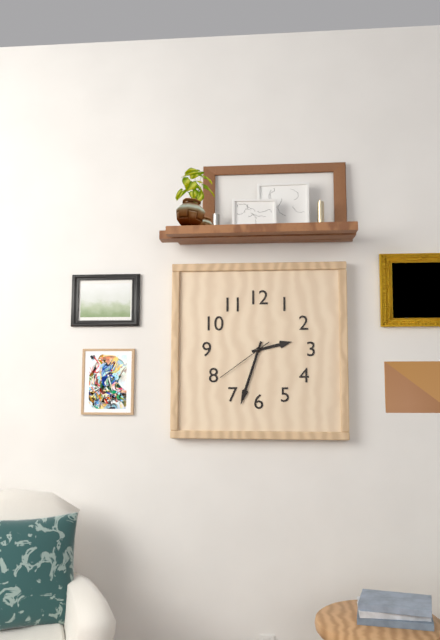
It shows 2h33m39s
